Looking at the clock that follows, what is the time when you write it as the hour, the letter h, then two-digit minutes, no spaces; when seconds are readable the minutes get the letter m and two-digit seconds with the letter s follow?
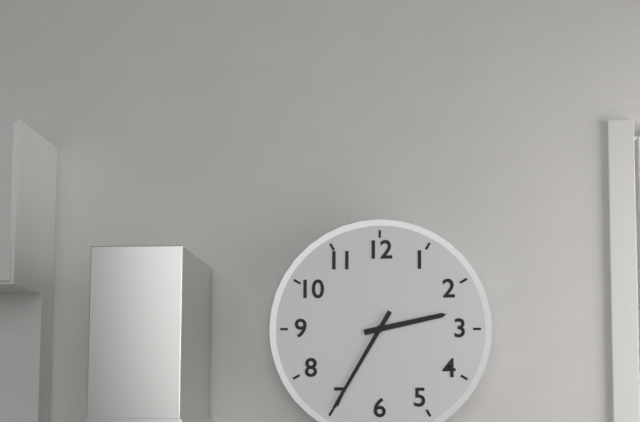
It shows 2h35
